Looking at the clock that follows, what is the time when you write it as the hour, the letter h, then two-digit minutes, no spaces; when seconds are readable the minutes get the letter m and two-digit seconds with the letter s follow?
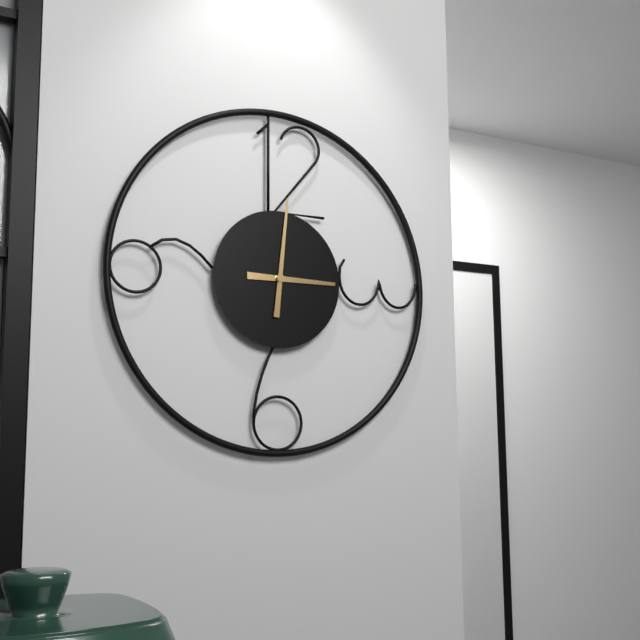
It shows 3h01
